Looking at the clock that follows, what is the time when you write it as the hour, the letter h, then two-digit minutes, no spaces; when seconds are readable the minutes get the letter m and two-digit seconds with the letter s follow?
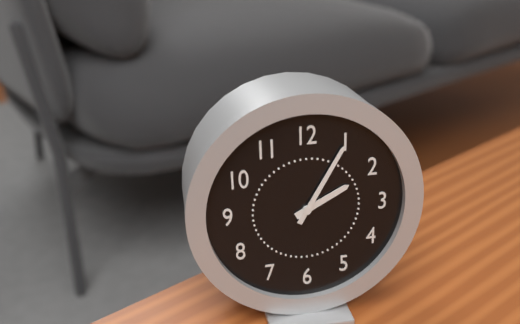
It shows 2h05
